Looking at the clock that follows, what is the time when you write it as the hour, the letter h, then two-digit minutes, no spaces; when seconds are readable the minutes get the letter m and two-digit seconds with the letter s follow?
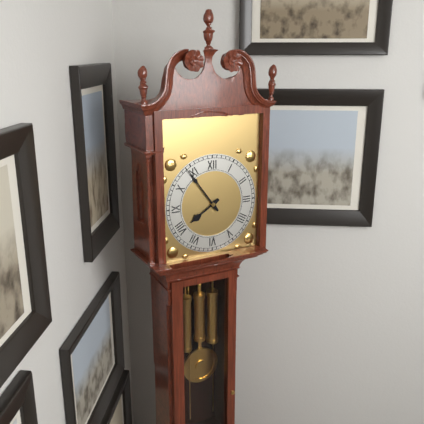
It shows 7h54
